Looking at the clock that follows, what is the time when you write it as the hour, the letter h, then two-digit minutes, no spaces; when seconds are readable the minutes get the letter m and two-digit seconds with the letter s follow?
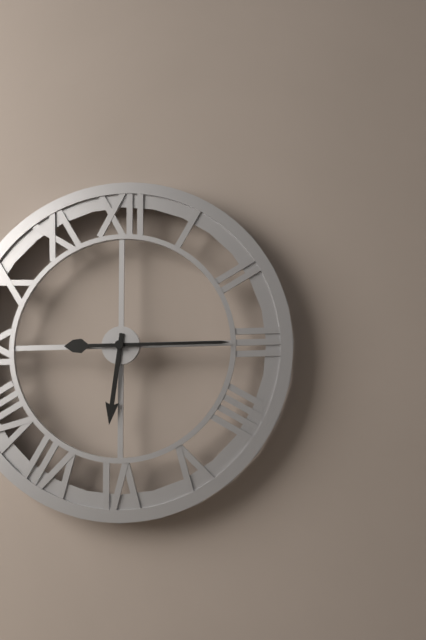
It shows 6h15
